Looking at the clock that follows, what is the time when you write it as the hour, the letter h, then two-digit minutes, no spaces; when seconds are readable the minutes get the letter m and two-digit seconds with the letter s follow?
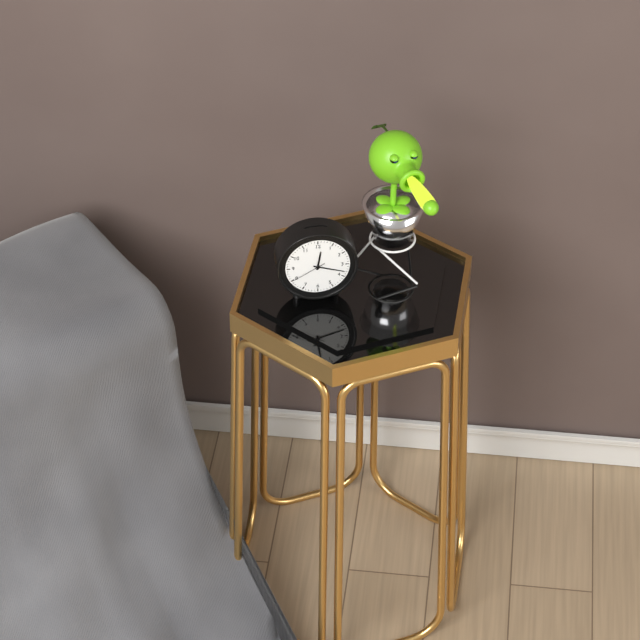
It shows 12h18
